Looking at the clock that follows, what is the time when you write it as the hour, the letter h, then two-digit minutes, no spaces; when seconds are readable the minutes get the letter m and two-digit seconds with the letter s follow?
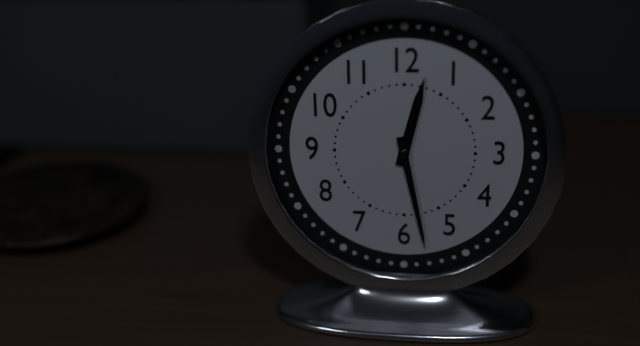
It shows 12h28
